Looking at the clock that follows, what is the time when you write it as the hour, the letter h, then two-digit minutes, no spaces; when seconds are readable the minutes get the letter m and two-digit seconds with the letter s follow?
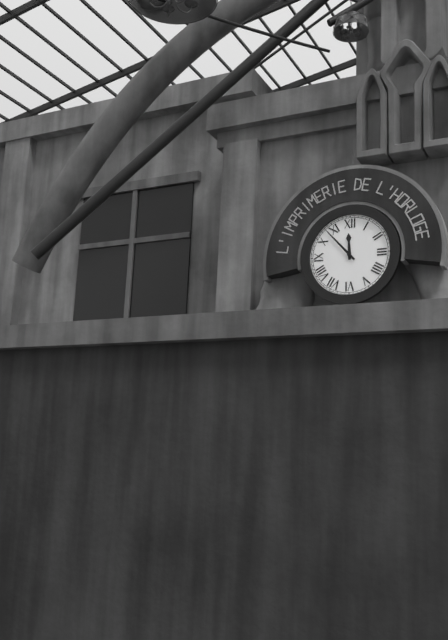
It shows 11h53
